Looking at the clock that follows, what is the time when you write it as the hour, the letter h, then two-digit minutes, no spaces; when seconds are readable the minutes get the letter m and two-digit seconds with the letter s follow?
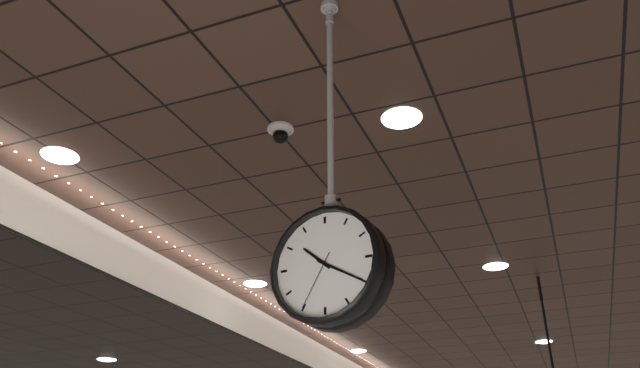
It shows 10h20m35s
